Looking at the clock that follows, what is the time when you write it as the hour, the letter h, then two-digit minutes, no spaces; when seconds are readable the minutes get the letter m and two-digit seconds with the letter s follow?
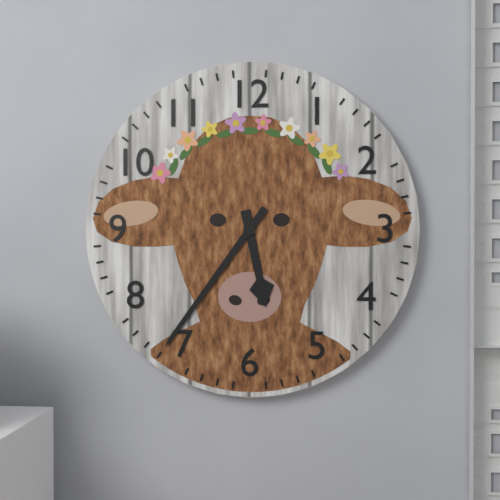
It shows 5h36
